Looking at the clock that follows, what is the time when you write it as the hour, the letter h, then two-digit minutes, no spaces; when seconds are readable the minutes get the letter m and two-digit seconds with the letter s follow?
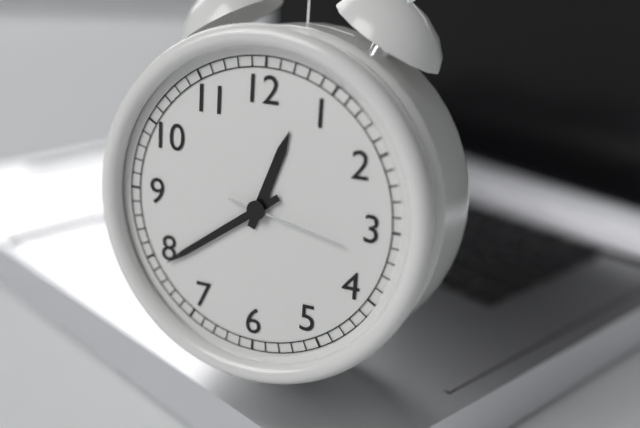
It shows 12h39m17s
